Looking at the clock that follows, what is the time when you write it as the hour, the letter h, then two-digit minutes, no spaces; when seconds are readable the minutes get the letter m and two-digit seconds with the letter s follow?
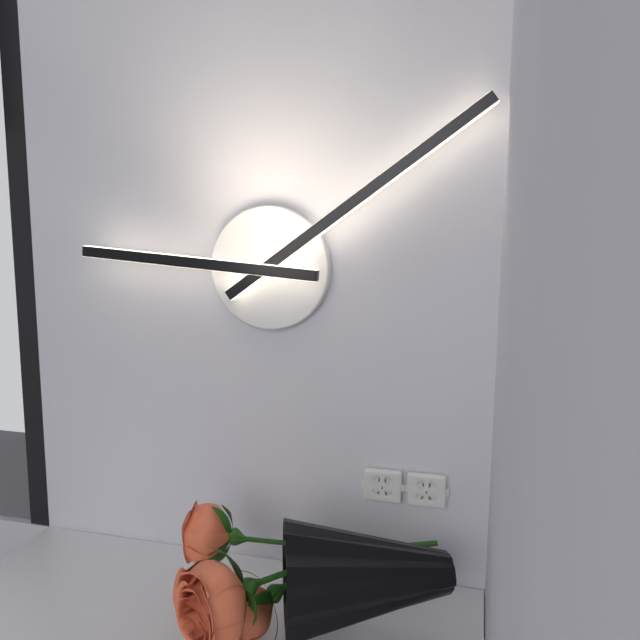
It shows 9h09
